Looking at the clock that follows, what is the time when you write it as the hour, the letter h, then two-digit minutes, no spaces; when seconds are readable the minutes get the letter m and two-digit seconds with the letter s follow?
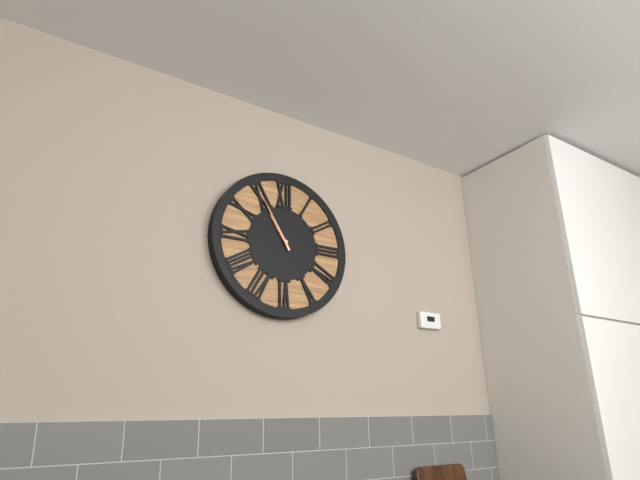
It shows 10h55
